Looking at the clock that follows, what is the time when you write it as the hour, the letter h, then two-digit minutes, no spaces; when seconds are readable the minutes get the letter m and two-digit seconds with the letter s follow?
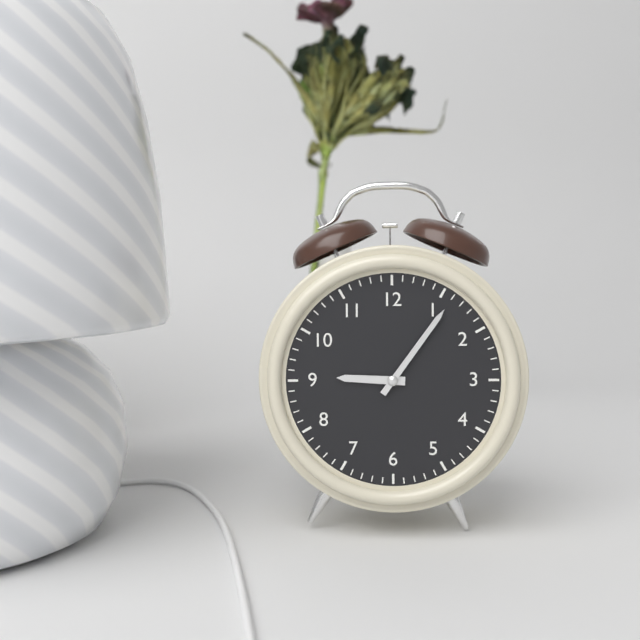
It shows 9h06
